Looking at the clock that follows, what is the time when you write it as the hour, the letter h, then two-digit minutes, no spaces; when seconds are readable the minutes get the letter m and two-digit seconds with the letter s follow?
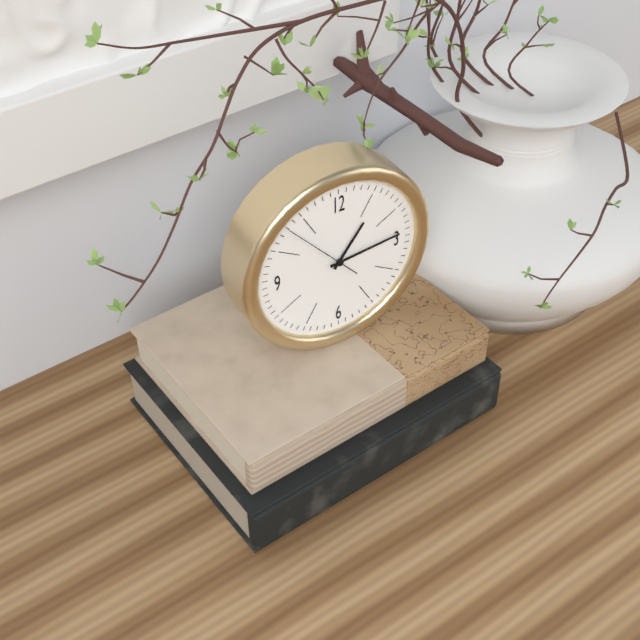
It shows 1h14m53s
